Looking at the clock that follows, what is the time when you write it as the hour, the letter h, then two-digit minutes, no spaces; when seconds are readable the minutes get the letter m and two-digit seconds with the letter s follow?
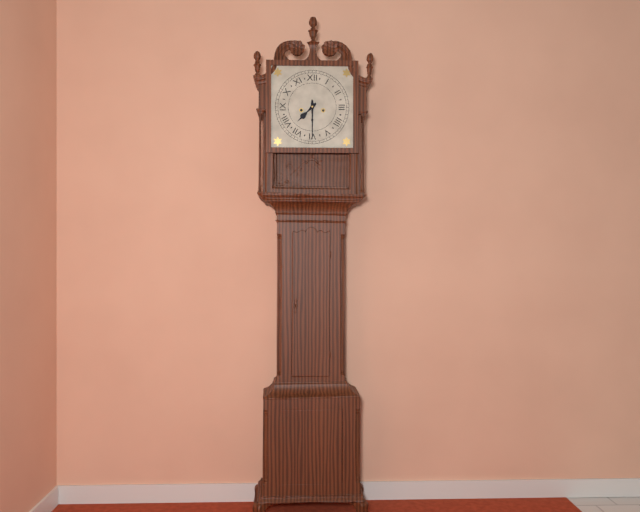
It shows 7h30
